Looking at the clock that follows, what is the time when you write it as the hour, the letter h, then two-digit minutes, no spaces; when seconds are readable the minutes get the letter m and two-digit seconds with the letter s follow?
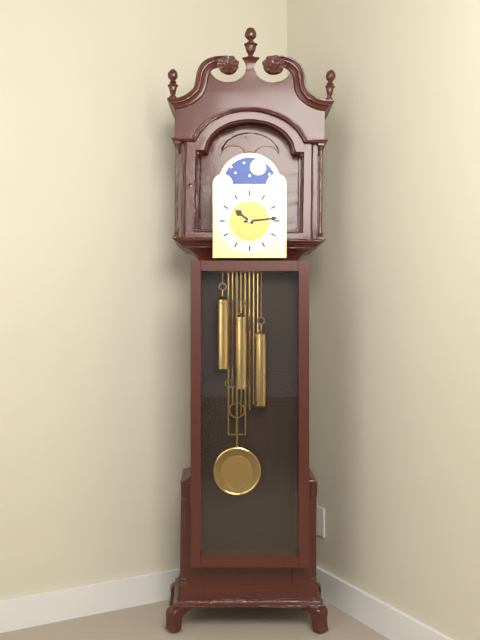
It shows 10h14
